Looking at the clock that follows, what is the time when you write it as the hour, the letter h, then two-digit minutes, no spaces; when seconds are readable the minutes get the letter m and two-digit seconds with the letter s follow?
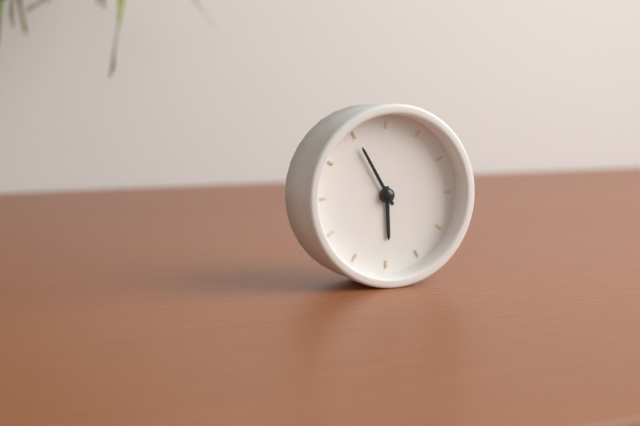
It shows 5h55
